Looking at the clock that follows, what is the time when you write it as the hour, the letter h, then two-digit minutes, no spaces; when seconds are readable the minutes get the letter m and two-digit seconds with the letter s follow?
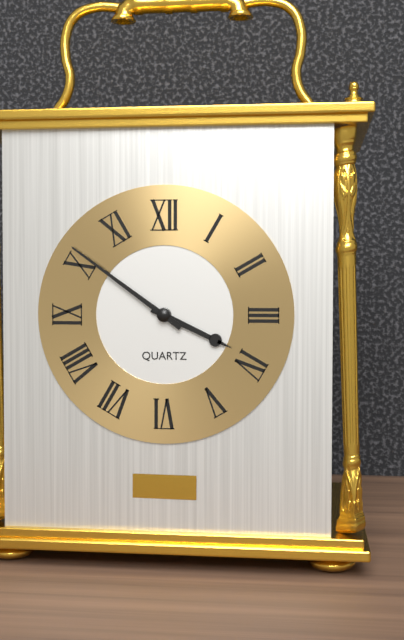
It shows 3h51
